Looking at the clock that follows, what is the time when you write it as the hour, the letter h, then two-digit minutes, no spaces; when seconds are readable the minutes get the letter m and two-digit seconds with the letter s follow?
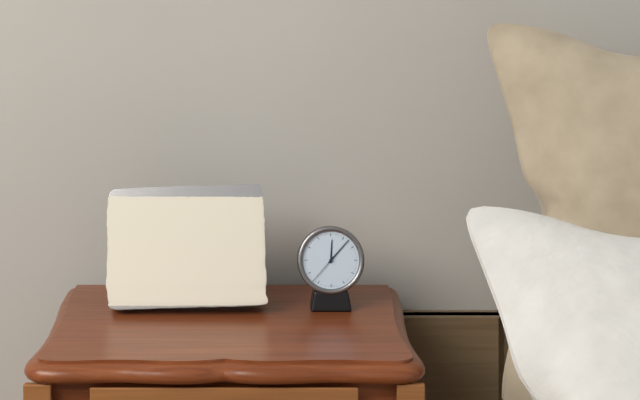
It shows 12h07
